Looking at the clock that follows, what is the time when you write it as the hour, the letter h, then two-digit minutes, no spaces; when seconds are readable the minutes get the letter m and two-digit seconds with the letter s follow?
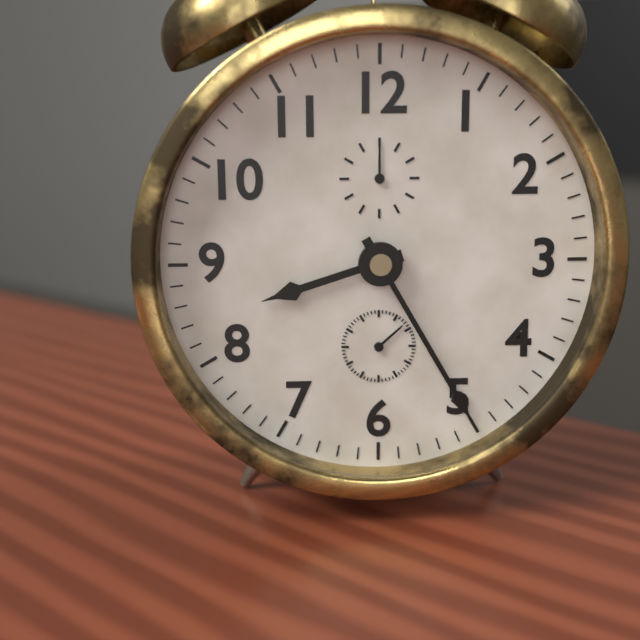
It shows 8h25
